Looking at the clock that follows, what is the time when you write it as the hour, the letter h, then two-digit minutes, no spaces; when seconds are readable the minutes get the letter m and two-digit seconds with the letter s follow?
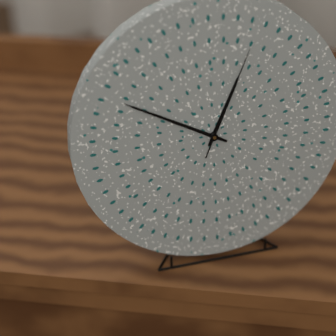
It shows 12h50m04s
